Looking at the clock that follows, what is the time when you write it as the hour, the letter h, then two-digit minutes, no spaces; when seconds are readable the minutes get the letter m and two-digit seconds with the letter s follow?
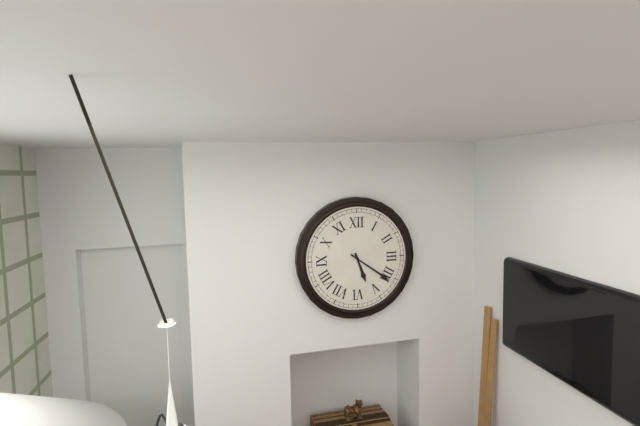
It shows 5h21
